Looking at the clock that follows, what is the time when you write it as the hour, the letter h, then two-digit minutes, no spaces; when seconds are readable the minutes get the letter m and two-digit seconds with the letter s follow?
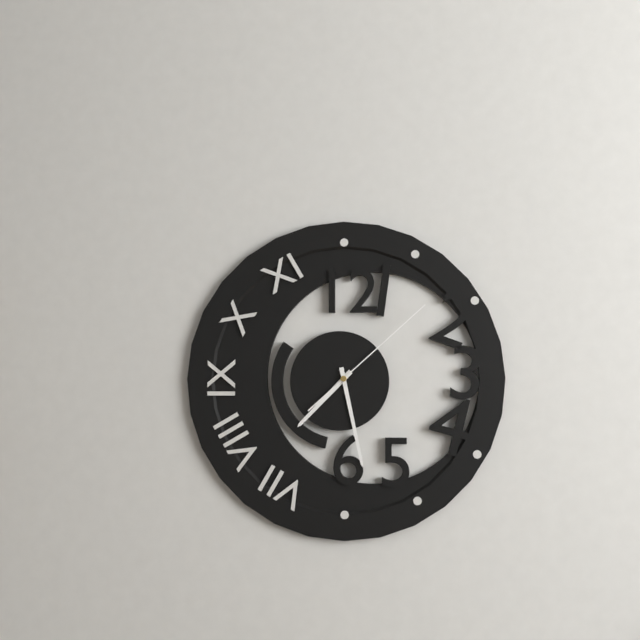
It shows 7h28m08s
